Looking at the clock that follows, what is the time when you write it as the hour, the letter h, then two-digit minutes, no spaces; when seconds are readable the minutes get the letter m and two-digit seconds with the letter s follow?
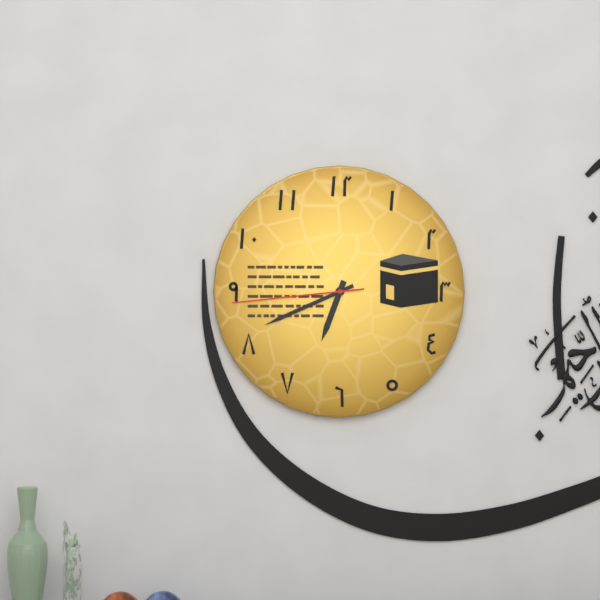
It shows 6h41m44s
